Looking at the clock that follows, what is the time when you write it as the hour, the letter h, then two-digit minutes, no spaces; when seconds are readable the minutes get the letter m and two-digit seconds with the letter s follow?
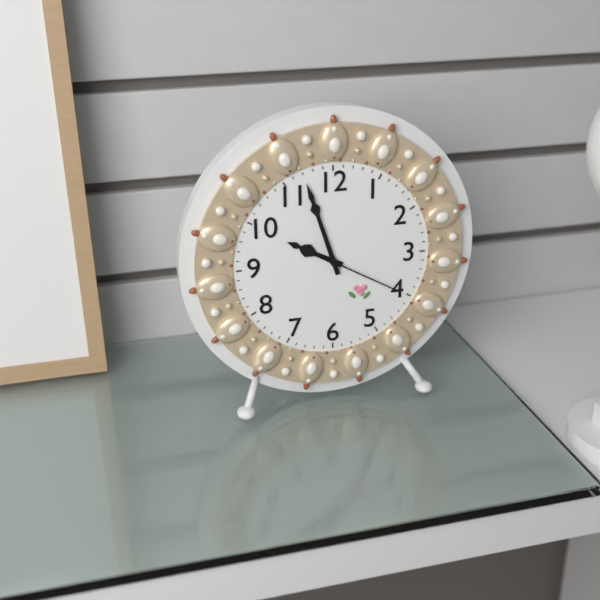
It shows 9h57m20s
